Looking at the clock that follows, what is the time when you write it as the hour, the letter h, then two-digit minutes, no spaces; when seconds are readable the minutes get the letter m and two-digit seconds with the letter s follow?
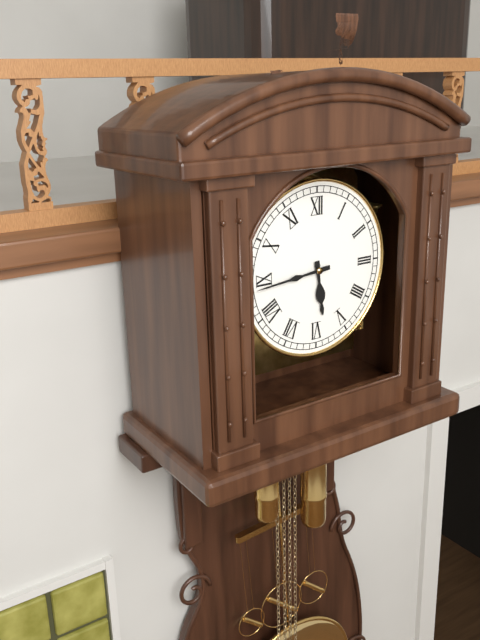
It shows 5h44
